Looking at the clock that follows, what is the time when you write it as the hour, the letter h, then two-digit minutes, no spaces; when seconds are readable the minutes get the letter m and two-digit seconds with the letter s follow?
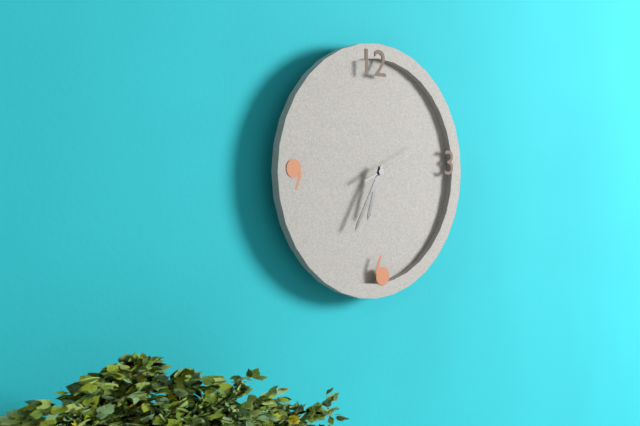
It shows 6h35m11s
